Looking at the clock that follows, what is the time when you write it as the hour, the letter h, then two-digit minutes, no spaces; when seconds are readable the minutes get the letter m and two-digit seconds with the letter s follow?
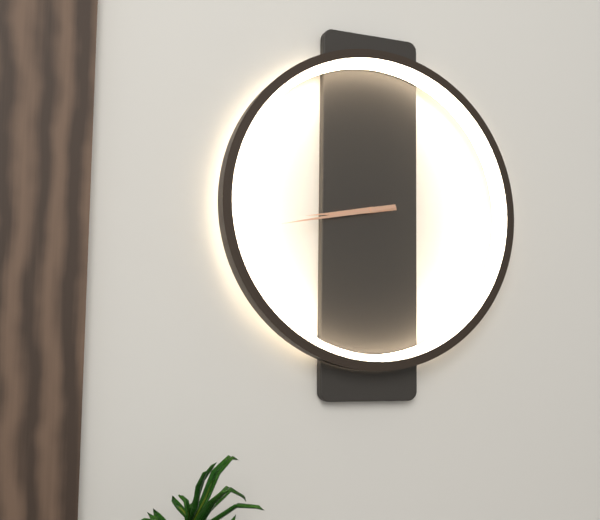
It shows 8h43
